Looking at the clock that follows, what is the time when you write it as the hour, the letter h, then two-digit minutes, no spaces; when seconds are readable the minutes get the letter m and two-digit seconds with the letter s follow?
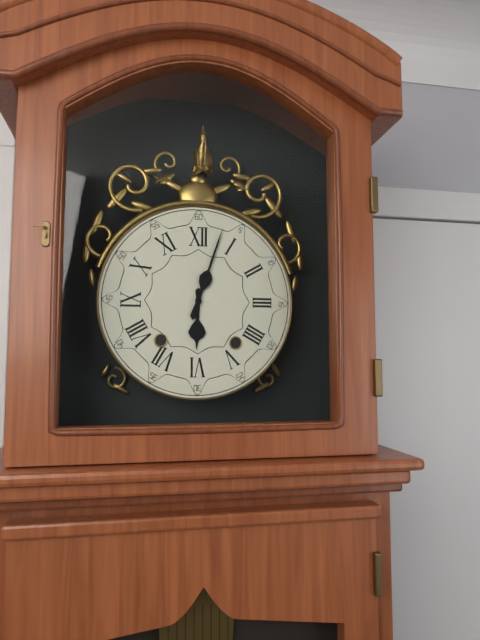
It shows 6h03
